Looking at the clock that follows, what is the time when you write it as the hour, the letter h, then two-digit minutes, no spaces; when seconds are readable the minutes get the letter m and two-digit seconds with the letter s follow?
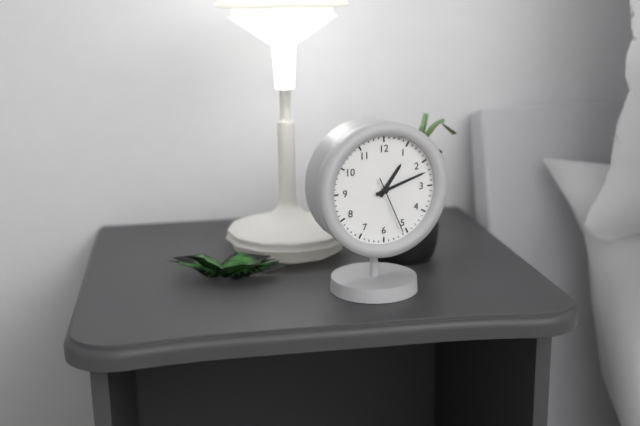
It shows 1h12m26s
